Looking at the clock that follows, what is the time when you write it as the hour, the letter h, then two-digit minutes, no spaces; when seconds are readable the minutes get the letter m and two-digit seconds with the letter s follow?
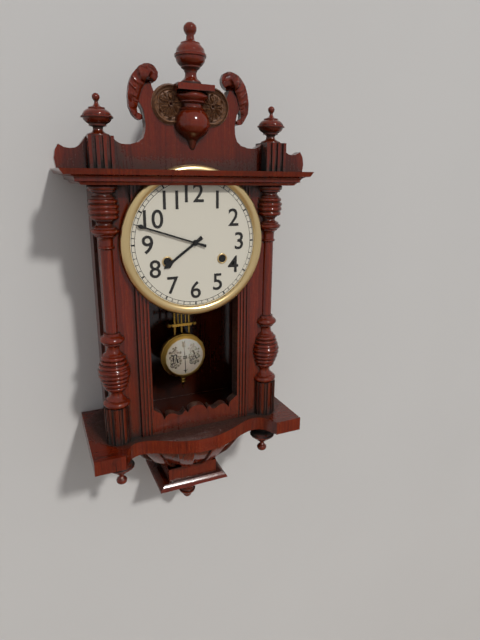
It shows 7h48
